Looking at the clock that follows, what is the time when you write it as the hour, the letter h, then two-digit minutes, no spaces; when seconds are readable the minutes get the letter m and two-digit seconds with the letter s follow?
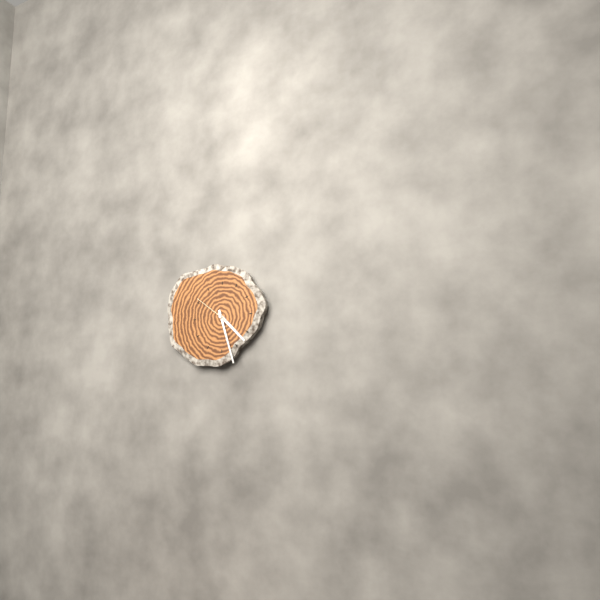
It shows 4h27
